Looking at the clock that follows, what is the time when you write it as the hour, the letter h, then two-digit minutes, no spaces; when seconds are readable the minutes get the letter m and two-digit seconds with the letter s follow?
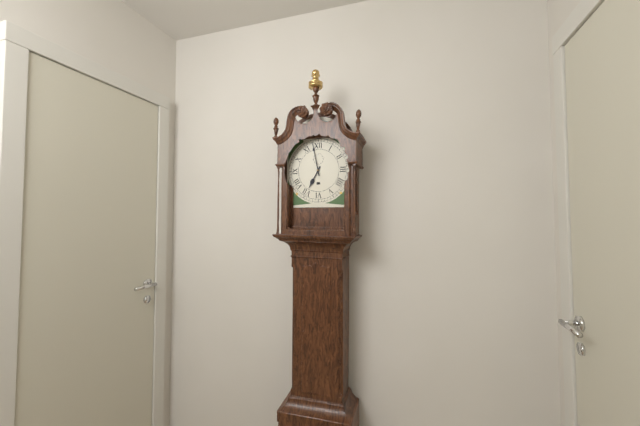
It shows 6h58
